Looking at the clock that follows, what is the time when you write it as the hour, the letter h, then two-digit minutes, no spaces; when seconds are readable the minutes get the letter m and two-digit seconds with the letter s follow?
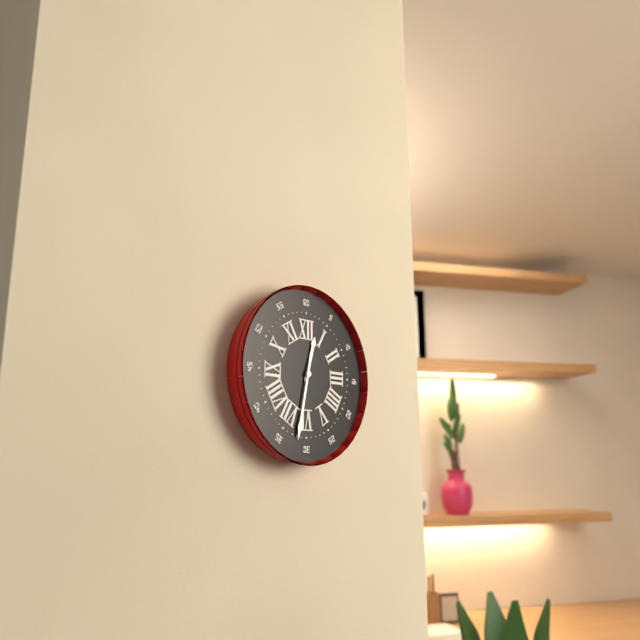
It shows 12h32
